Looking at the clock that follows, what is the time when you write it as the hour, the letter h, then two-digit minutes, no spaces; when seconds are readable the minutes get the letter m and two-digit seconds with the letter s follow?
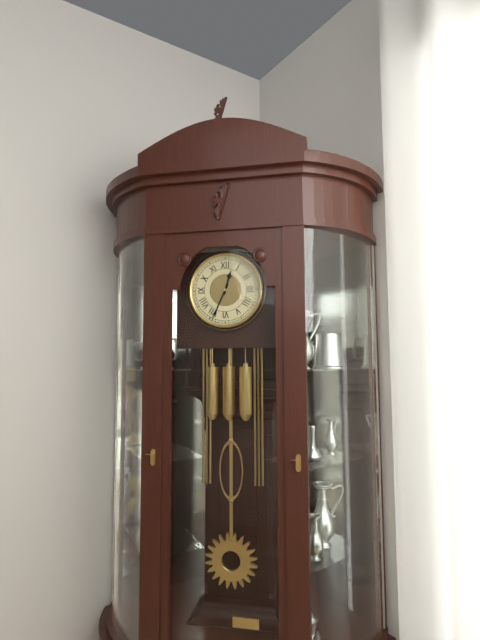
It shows 12h34
